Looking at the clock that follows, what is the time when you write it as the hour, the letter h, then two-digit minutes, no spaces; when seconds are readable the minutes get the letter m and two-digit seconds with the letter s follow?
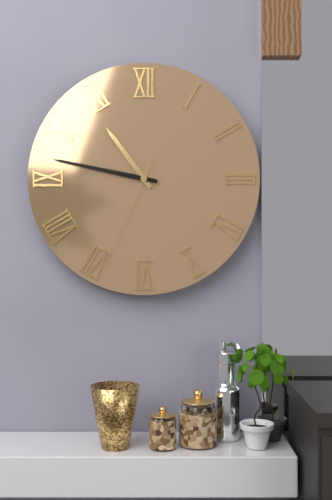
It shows 10h47m34s
